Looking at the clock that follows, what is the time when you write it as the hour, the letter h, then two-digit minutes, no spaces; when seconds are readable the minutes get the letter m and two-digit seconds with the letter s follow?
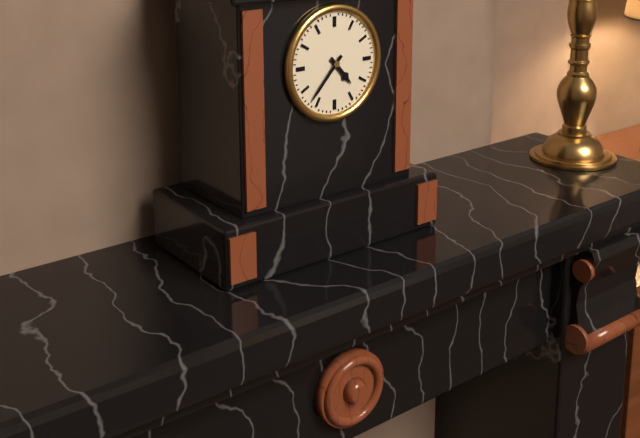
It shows 4h37
